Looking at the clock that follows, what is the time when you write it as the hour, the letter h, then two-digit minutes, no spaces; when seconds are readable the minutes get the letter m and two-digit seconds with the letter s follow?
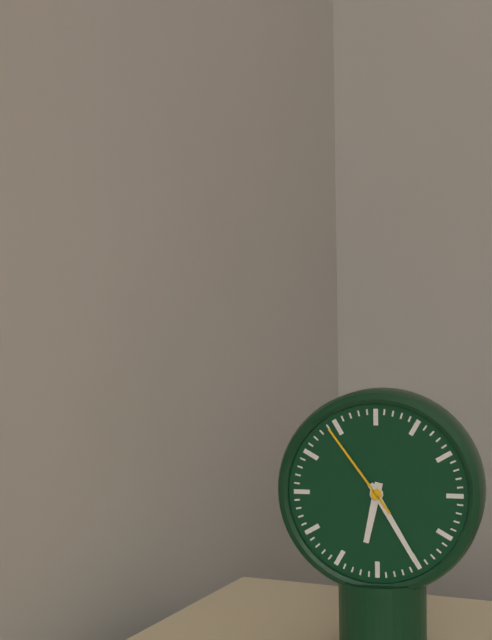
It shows 6h25m54s
